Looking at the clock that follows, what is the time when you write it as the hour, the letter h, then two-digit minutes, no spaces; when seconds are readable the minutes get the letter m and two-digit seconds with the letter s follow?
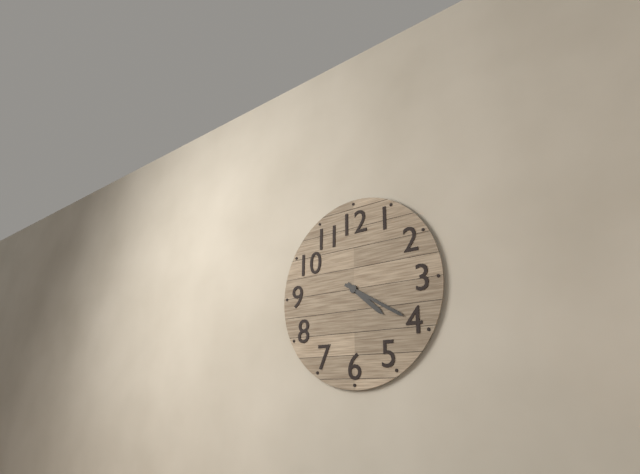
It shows 4h20
